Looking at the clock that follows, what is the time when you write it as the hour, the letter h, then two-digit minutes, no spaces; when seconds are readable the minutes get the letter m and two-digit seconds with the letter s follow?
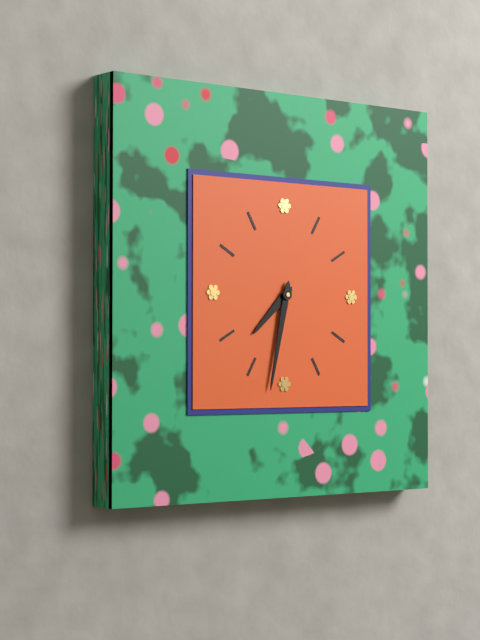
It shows 7h32
